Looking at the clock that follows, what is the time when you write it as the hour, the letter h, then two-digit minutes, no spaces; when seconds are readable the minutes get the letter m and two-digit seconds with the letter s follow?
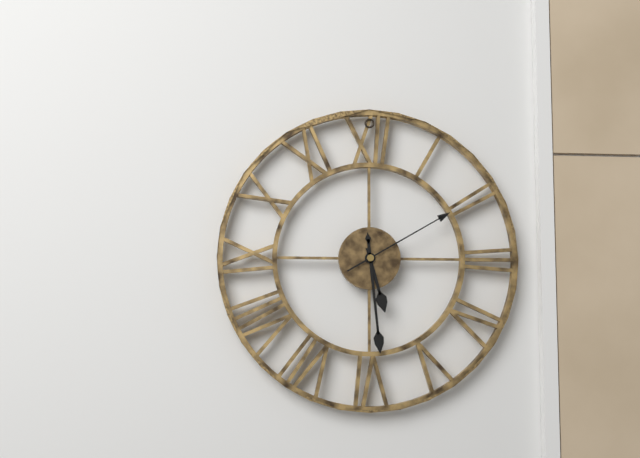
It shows 5h29m10s
